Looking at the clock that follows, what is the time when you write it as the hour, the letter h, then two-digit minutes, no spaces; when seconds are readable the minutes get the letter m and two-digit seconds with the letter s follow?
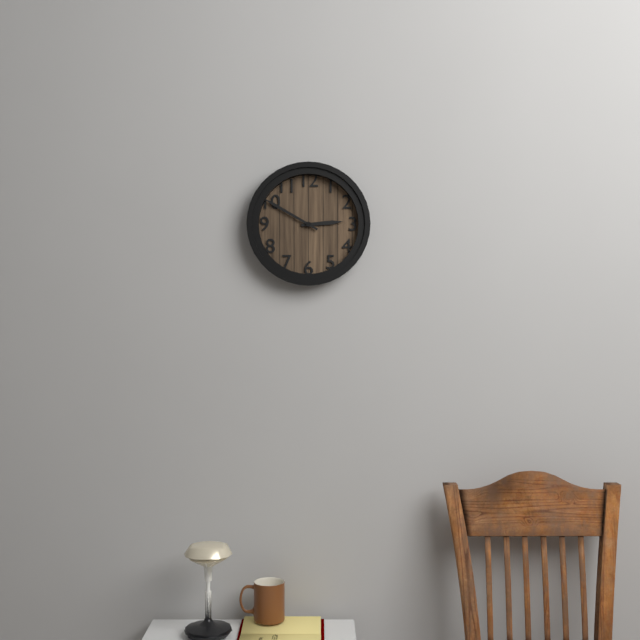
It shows 2h50
